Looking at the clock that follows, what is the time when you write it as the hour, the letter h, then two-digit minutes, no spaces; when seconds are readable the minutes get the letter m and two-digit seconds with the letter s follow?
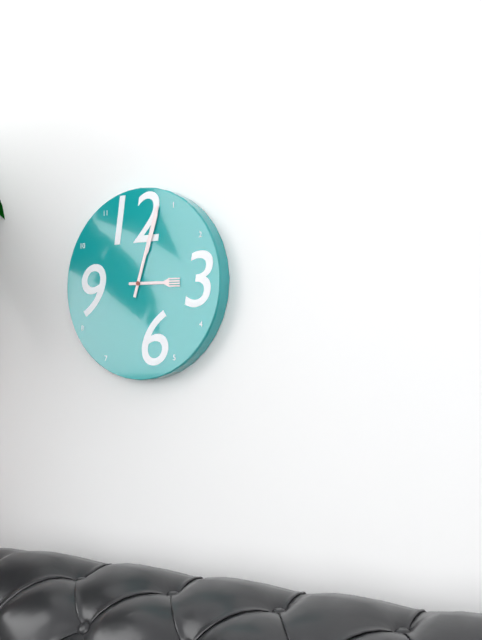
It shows 3h03
